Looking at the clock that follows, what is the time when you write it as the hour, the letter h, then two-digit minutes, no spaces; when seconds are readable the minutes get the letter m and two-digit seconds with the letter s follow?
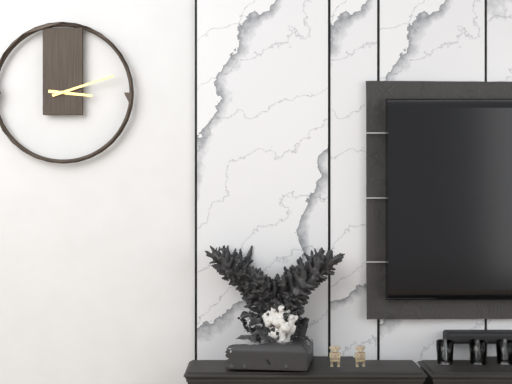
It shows 3h12
